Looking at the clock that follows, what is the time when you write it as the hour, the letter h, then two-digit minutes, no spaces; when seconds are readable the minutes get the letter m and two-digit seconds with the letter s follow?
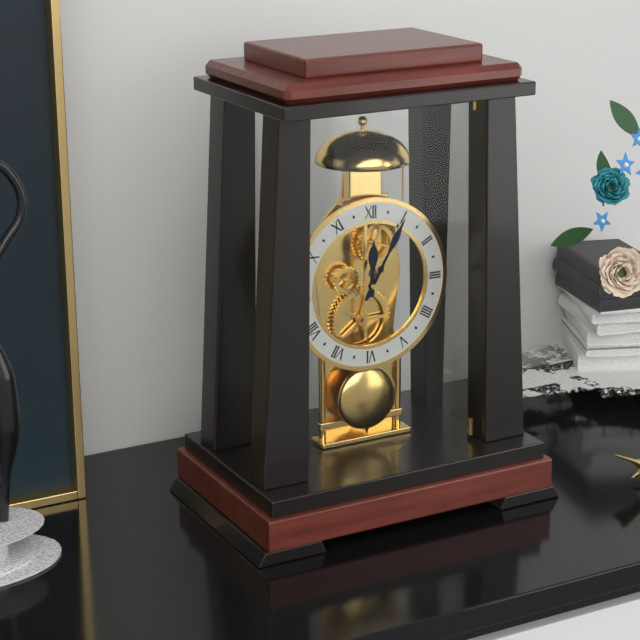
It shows 12h05
